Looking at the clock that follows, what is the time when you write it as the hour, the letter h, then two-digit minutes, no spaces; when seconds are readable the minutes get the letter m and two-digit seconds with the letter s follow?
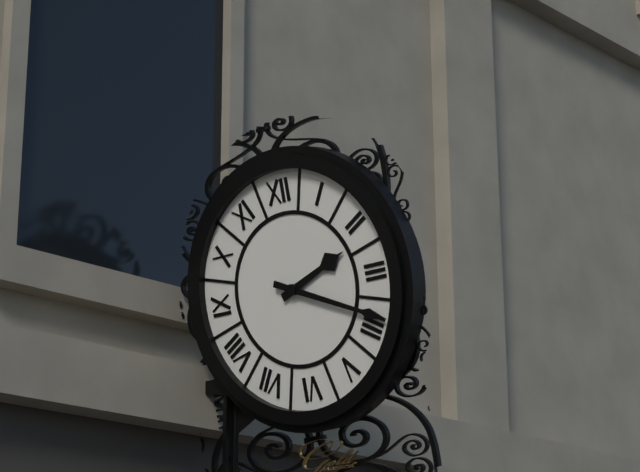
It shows 2h19
